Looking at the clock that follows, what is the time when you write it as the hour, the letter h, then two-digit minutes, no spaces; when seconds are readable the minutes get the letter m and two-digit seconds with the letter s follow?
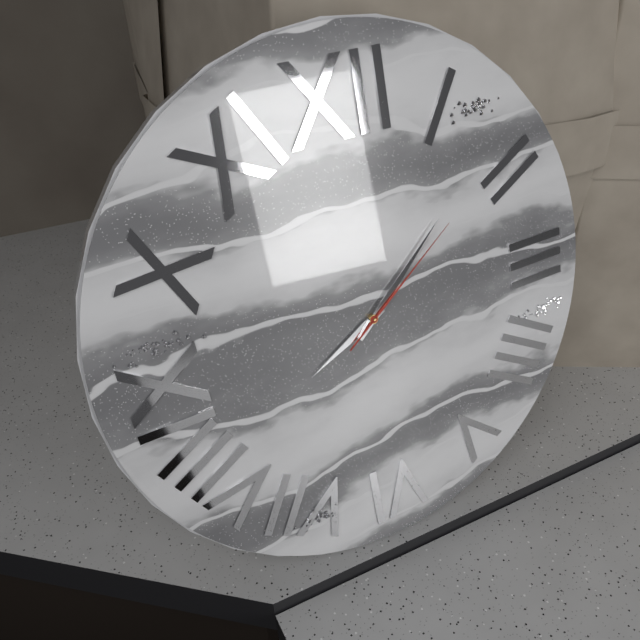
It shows 8h08m09s
